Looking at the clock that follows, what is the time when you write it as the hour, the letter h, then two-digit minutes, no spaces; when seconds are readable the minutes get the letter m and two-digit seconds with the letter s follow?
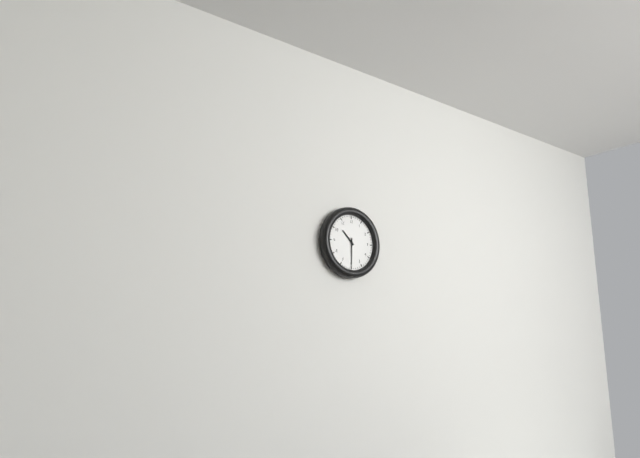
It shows 10h30
